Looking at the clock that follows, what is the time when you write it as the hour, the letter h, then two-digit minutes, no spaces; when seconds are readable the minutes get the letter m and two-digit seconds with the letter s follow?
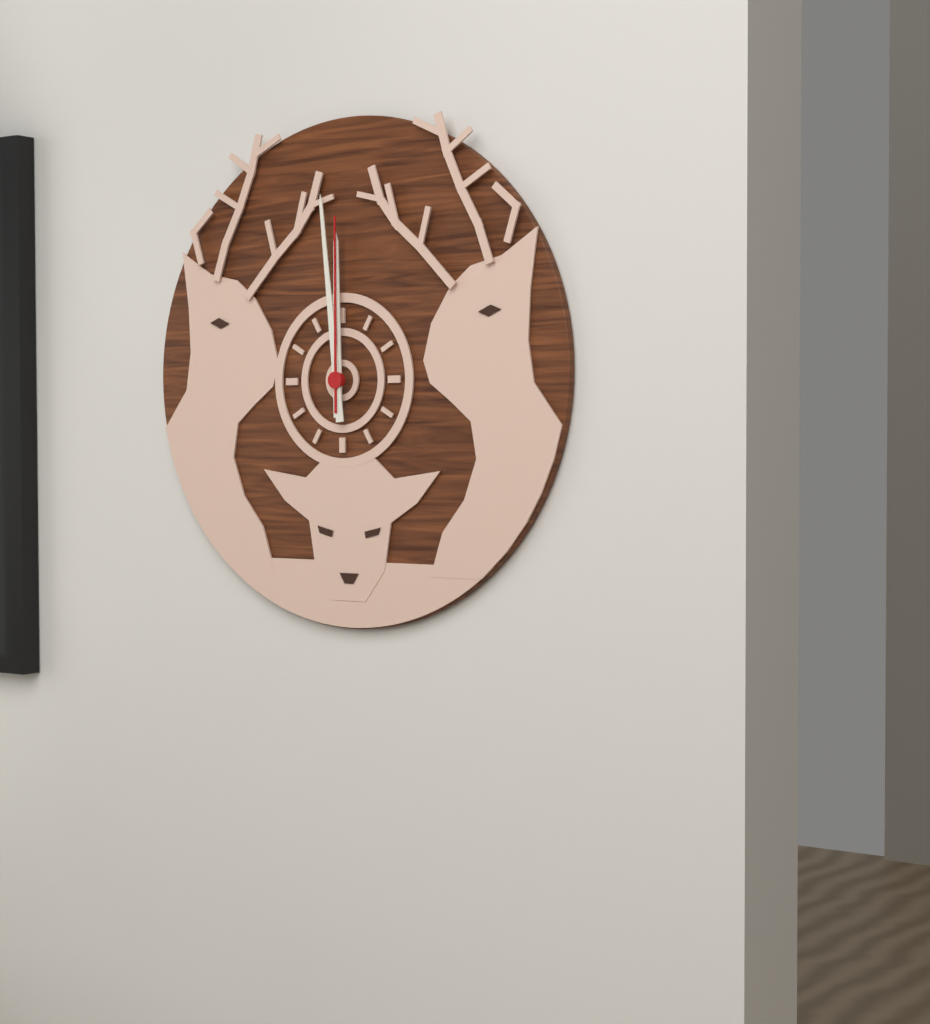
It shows 11h59m00s
